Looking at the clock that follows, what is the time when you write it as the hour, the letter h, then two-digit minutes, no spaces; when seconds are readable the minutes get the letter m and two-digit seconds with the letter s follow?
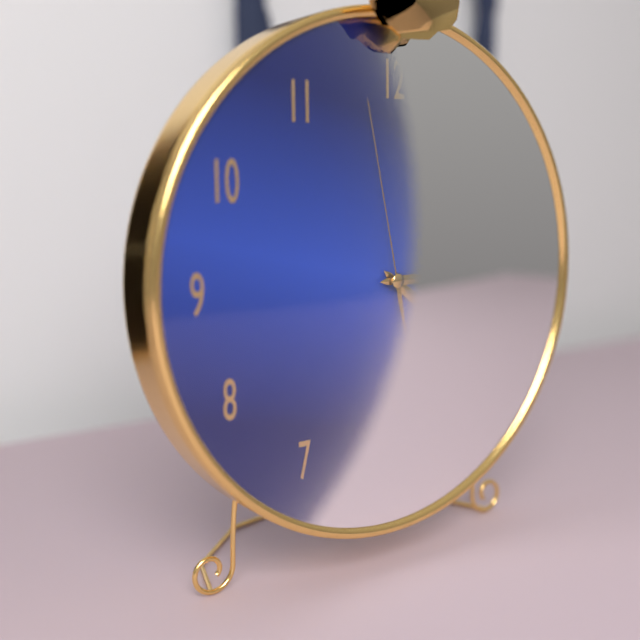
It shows 4h15m58s
